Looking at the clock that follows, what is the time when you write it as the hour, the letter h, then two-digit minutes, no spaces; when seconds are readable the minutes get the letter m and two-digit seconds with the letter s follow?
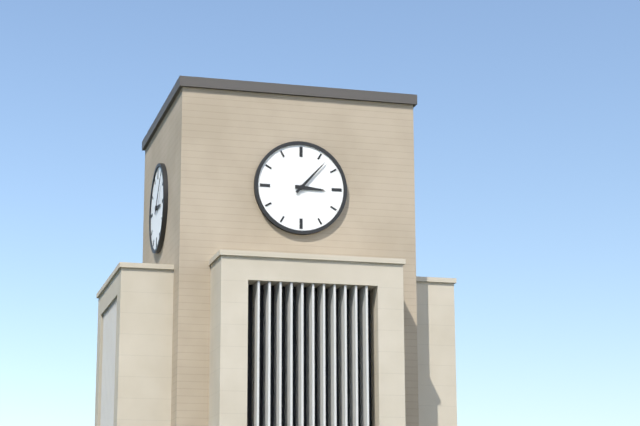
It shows 3h07
